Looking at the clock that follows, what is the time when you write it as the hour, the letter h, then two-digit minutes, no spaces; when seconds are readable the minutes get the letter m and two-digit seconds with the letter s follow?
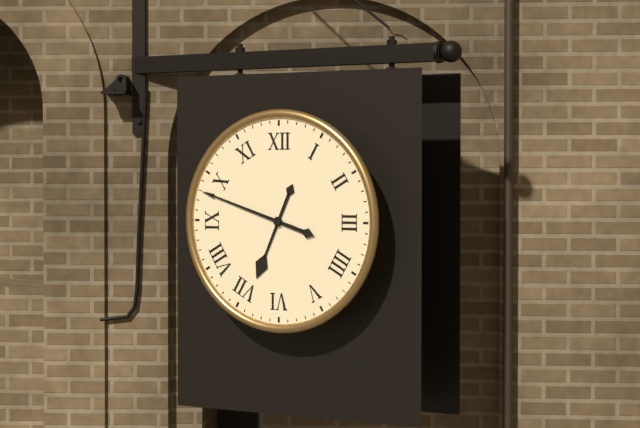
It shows 6h48
